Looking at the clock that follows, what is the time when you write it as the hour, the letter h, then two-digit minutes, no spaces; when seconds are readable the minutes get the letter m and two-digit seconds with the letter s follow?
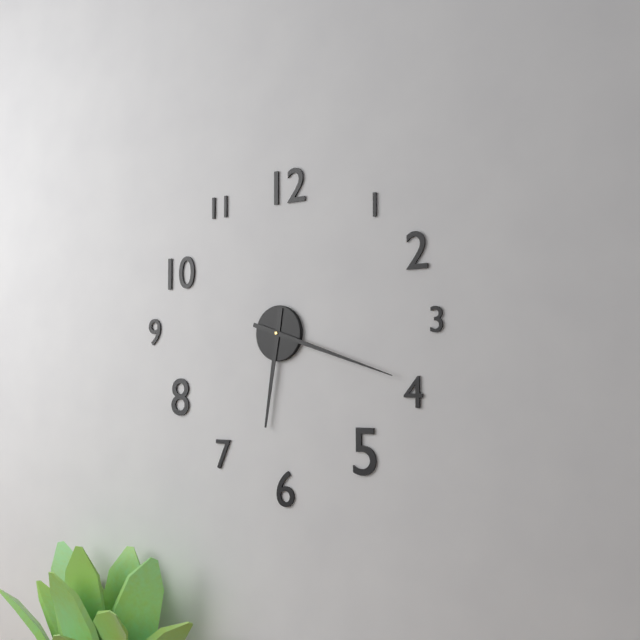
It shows 6h18
